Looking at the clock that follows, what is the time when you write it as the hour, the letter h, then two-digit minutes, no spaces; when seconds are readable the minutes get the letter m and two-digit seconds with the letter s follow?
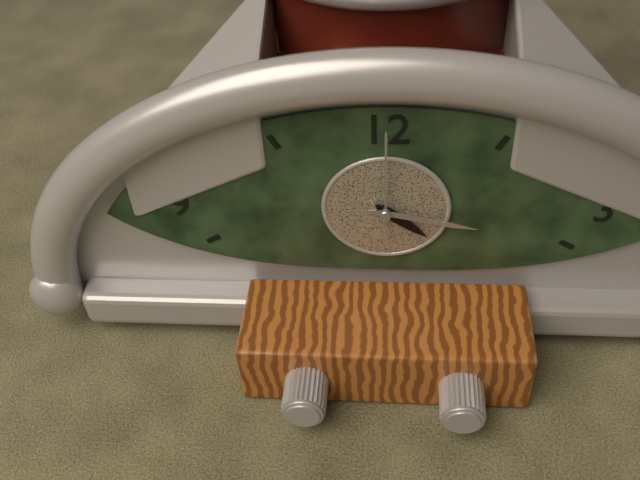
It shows 4h17m00s
